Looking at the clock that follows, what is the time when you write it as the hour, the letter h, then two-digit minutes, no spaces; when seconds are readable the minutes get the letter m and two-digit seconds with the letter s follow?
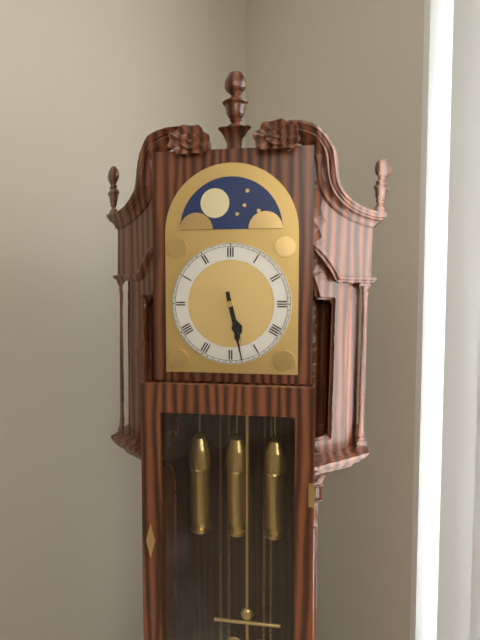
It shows 5h28
